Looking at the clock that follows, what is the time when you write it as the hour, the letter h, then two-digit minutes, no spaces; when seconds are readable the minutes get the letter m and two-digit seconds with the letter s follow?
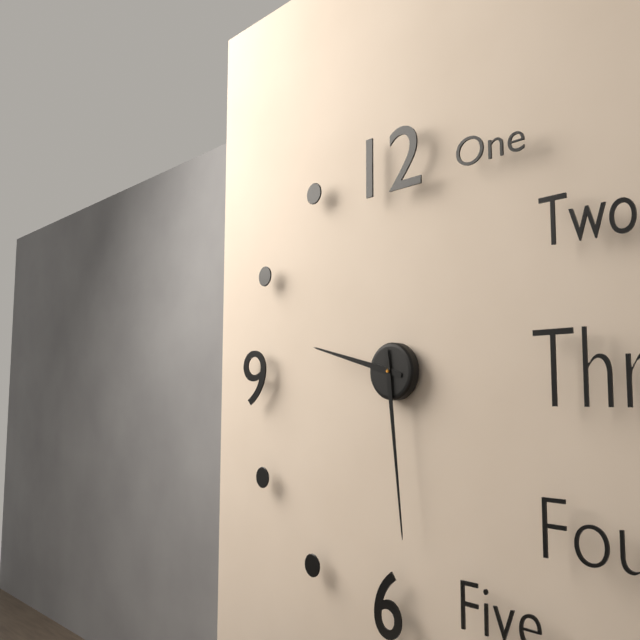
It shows 9h29
